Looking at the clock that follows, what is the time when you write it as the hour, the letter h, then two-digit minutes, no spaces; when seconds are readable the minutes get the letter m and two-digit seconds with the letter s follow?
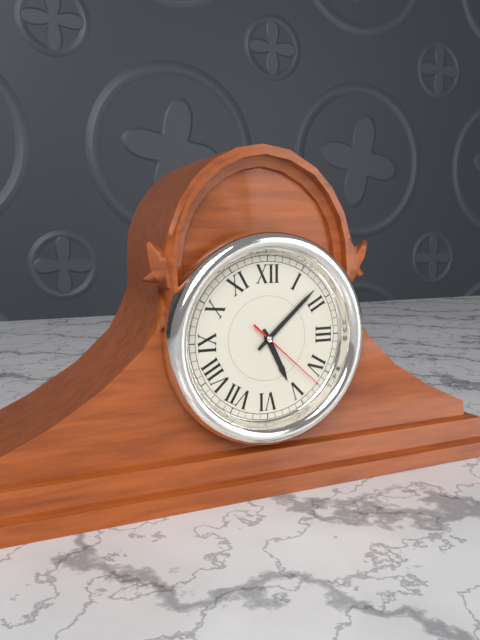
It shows 5h08m22s
